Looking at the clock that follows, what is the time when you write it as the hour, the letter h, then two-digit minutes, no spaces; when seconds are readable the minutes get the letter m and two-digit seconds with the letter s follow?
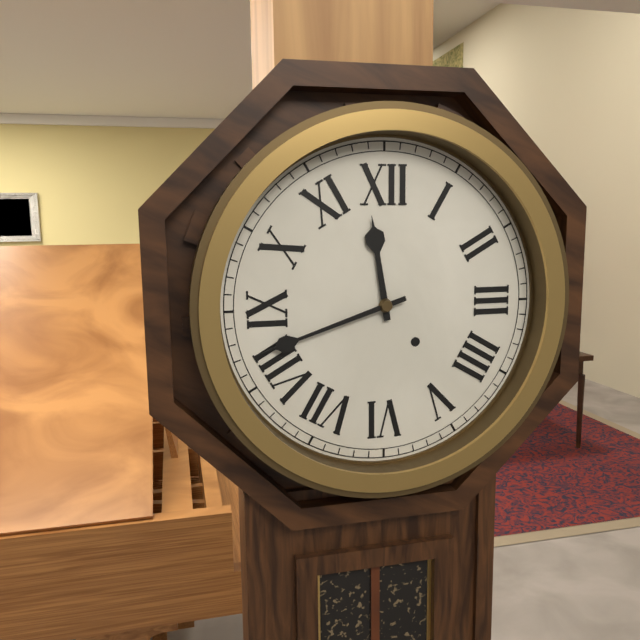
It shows 11h42
